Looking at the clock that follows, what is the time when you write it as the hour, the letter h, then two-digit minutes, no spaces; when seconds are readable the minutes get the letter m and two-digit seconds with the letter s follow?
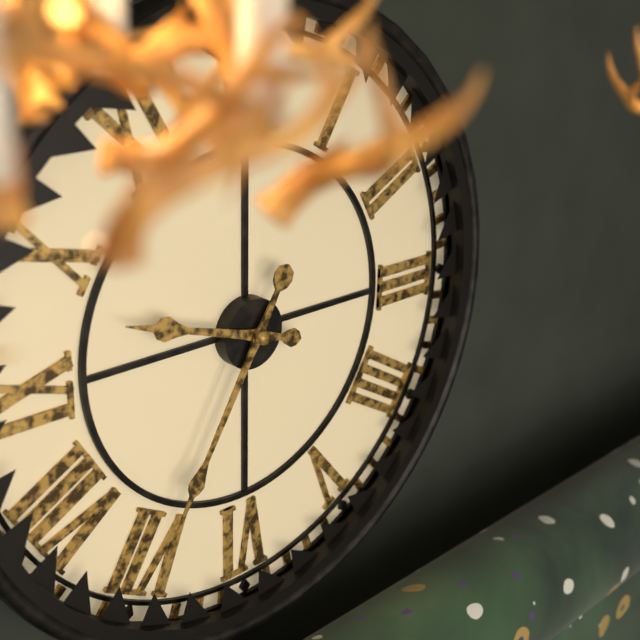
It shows 9h35
